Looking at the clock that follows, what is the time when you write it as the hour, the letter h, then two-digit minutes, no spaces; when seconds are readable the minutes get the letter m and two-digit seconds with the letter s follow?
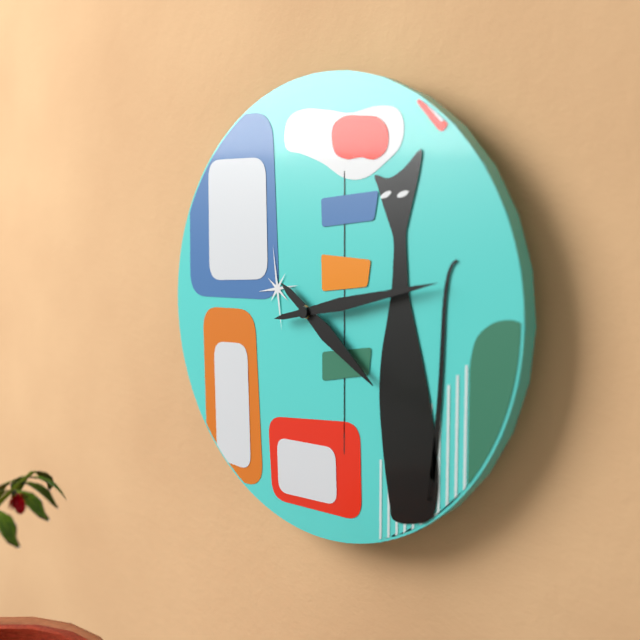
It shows 4h13
